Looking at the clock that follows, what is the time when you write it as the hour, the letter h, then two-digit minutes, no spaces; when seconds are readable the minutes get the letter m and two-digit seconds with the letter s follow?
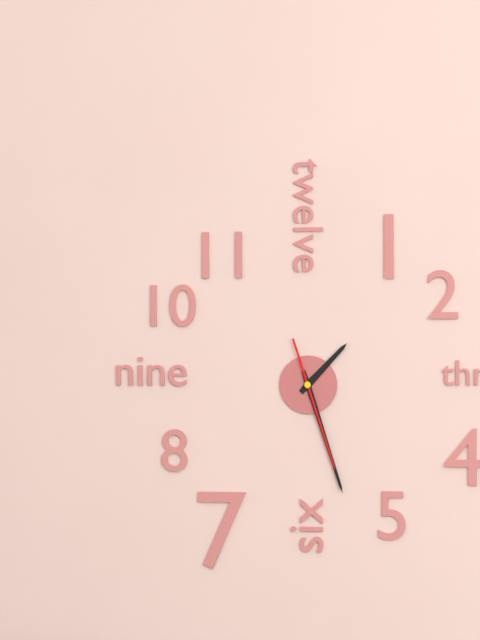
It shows 1h27m27s
